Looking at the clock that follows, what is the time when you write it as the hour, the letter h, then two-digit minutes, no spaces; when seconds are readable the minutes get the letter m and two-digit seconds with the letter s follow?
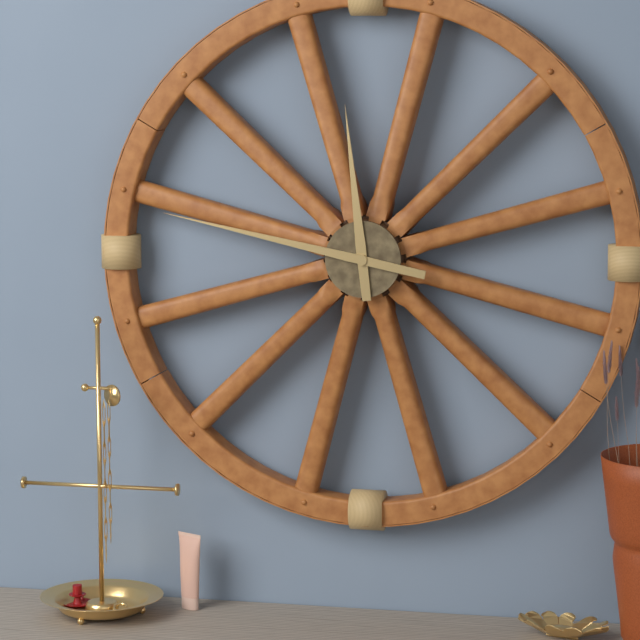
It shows 11h47
